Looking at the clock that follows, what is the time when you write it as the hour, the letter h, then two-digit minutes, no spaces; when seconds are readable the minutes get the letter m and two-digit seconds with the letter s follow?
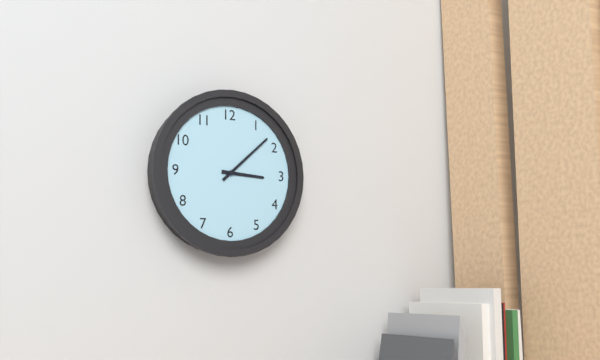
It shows 3h08
